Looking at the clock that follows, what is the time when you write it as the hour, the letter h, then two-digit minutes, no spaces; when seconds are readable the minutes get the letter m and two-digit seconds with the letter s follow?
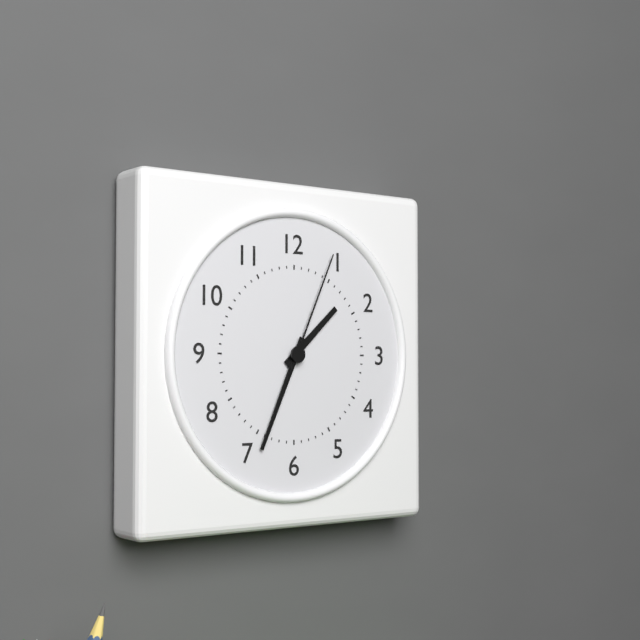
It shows 1h34m04s
